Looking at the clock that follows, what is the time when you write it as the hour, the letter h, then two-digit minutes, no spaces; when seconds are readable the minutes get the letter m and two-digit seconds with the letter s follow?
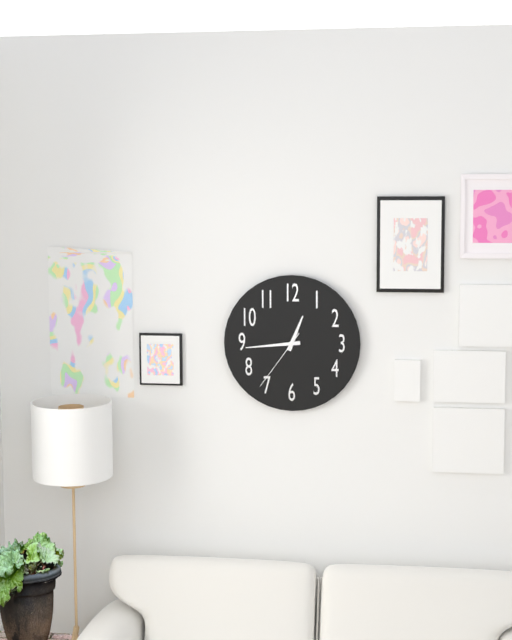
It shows 12h44m36s
